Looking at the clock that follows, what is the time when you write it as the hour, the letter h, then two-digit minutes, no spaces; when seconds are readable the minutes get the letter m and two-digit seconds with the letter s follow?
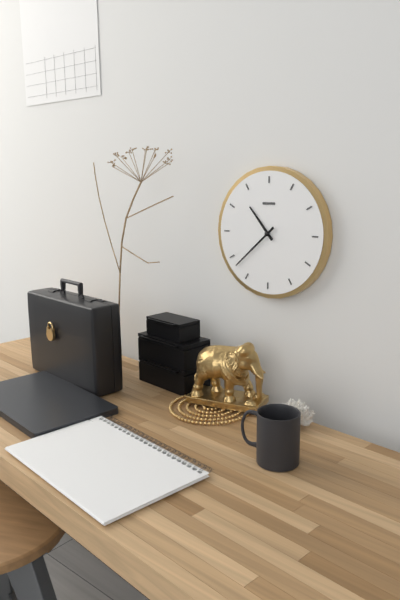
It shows 10h38
